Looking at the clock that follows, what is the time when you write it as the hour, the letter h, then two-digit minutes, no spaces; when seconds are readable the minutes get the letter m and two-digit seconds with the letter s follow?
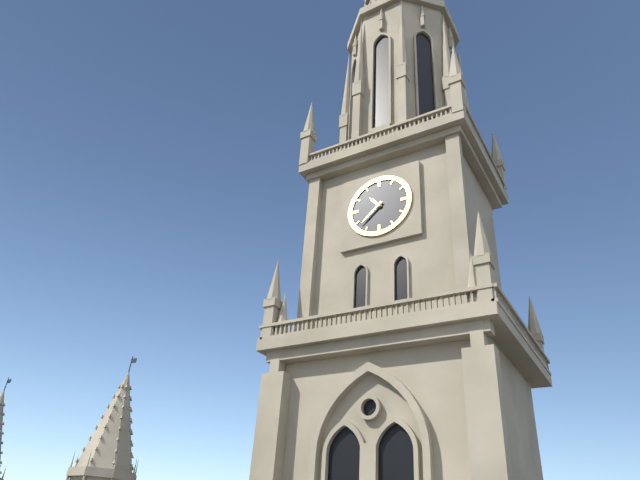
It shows 10h38
